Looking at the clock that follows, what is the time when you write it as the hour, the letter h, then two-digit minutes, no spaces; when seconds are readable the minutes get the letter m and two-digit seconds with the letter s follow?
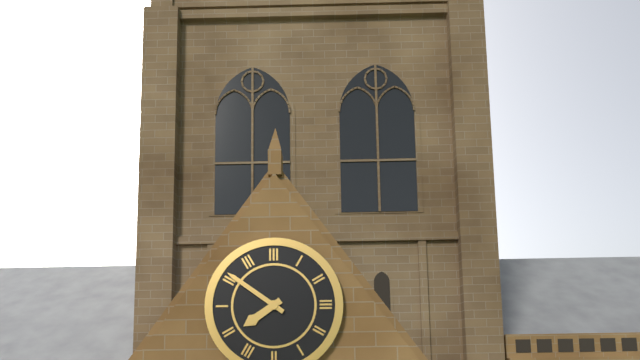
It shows 7h51
